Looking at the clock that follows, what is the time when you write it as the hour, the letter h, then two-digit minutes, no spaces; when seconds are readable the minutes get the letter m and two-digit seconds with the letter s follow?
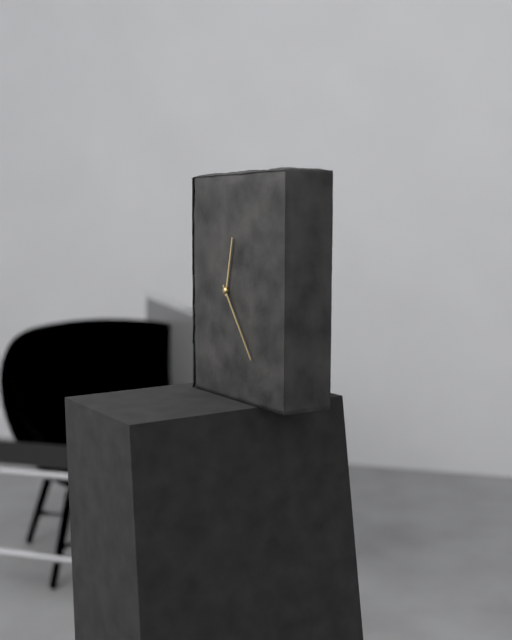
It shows 12h24
